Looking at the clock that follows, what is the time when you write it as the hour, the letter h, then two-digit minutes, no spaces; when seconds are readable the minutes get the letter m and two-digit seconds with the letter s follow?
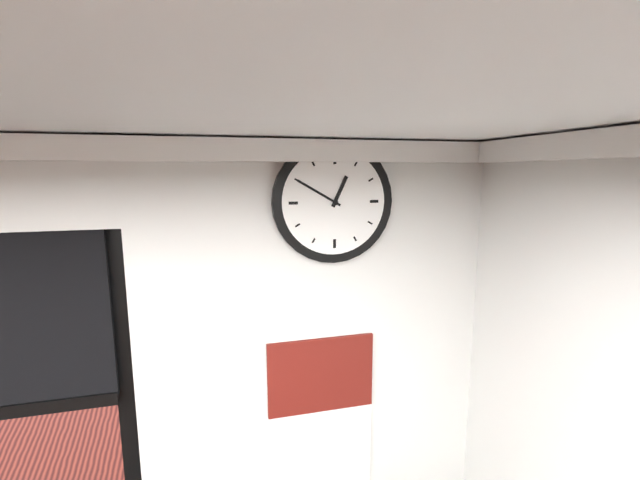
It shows 12h50
